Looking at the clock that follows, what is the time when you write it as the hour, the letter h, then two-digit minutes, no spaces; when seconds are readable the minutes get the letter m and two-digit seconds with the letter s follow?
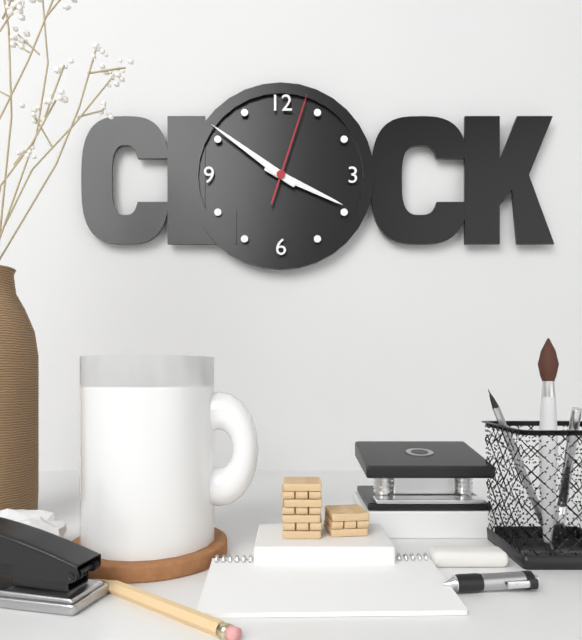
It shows 3h51m03s
